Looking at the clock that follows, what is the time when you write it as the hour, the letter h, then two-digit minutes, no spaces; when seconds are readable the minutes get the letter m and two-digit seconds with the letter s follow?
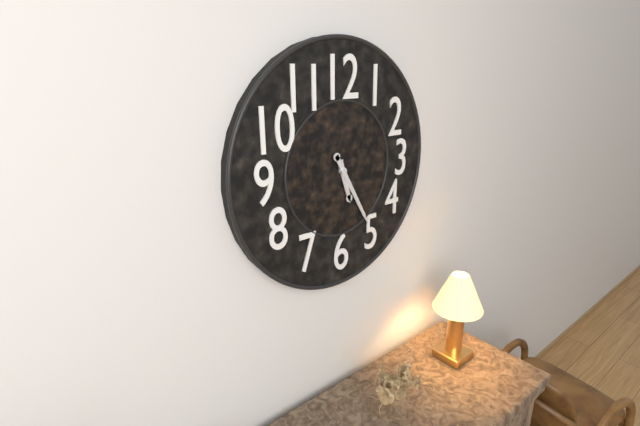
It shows 5h25
